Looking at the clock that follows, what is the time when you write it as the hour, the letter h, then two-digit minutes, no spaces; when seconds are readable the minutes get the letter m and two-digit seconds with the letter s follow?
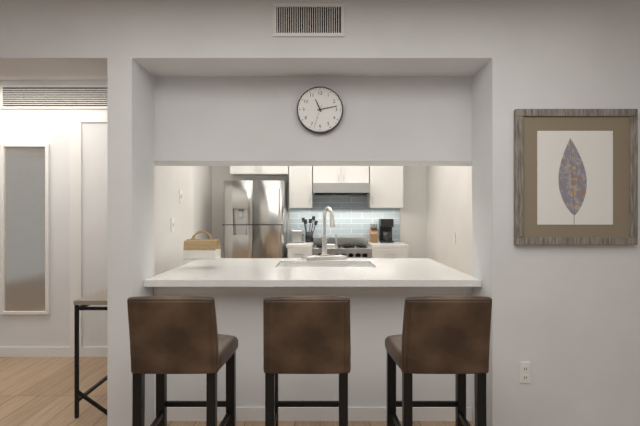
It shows 11h13
